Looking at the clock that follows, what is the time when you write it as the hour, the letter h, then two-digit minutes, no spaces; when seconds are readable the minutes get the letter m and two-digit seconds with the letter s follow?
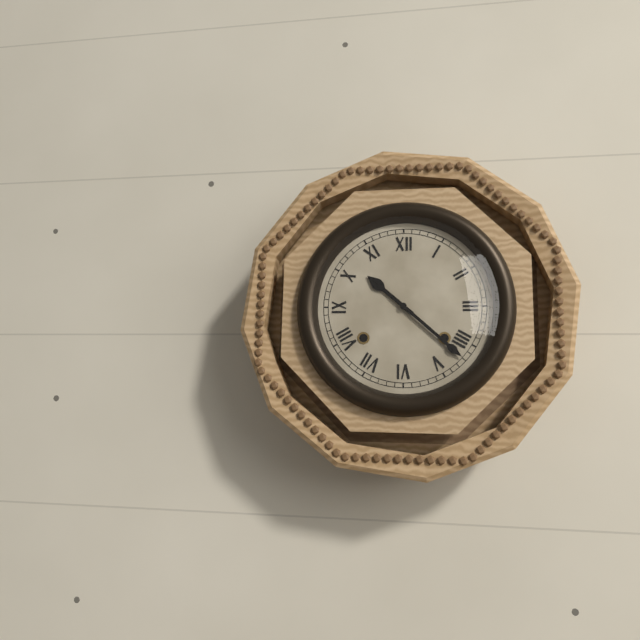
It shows 10h22
